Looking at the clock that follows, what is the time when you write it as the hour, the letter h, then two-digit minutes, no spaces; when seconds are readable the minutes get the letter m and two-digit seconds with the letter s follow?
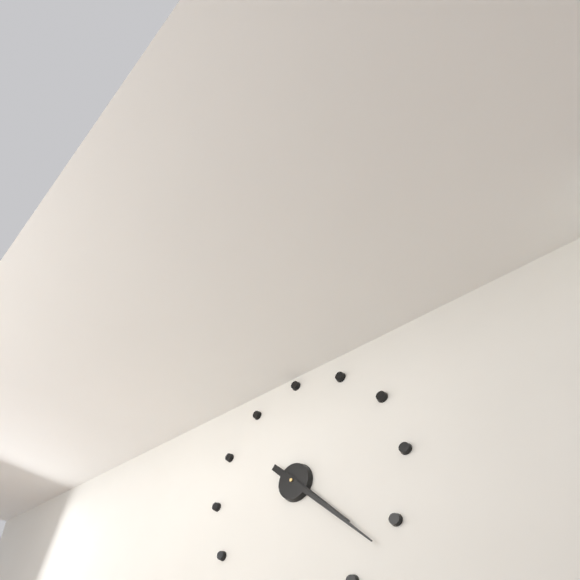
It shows 4h22
